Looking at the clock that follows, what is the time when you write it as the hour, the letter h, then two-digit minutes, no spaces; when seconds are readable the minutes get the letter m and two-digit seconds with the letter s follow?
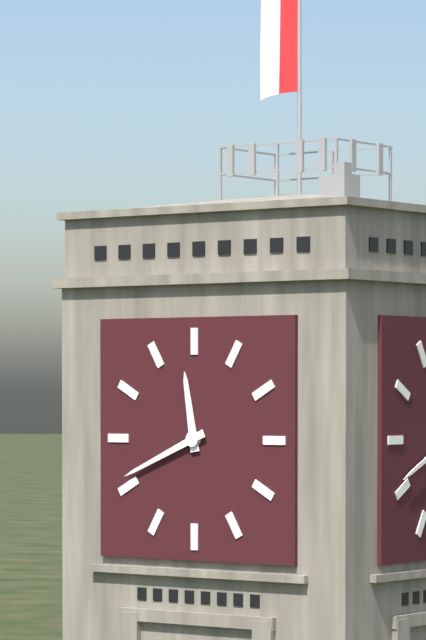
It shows 11h41
